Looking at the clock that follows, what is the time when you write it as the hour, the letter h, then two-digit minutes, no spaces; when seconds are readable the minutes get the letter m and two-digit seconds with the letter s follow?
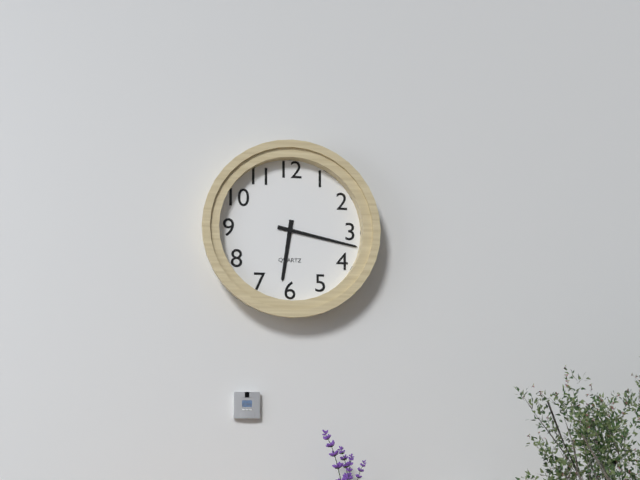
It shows 6h17
